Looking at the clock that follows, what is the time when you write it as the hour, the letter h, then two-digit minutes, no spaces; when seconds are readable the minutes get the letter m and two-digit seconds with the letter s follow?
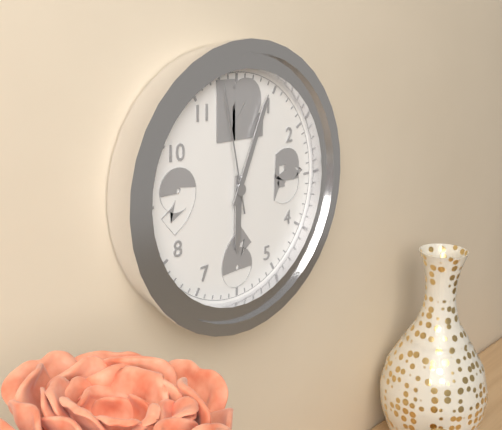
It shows 6h04m58s
